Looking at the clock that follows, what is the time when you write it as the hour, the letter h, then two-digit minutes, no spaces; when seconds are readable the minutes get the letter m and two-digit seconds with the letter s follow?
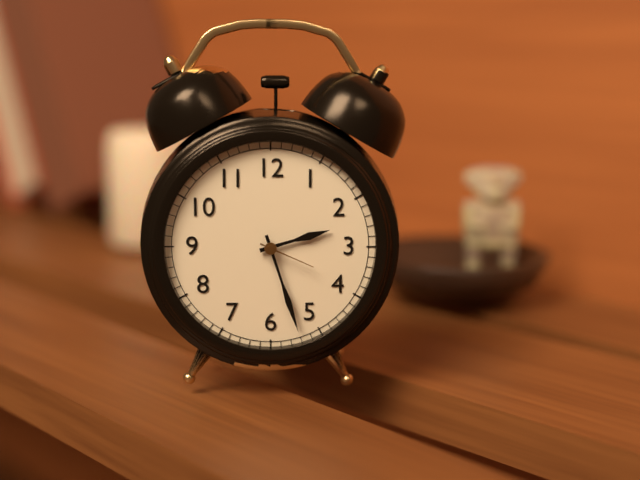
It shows 2h27m19s
